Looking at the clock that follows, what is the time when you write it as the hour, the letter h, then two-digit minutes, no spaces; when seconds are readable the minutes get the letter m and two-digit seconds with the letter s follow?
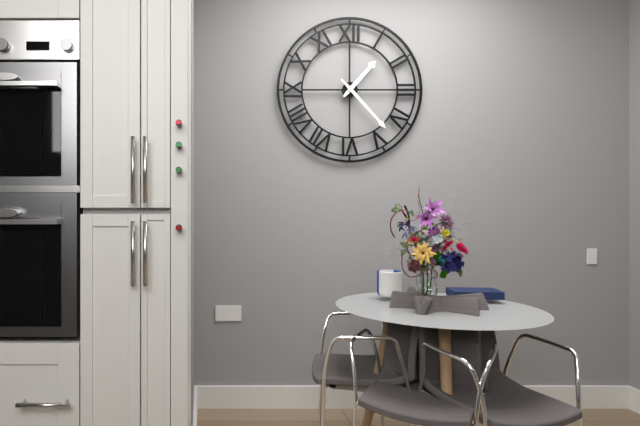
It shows 1h23
